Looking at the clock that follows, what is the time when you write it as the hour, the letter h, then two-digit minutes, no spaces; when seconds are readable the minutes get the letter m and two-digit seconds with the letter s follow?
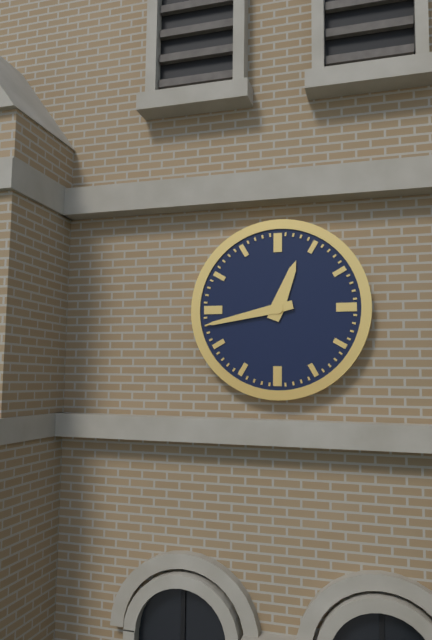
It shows 12h43
